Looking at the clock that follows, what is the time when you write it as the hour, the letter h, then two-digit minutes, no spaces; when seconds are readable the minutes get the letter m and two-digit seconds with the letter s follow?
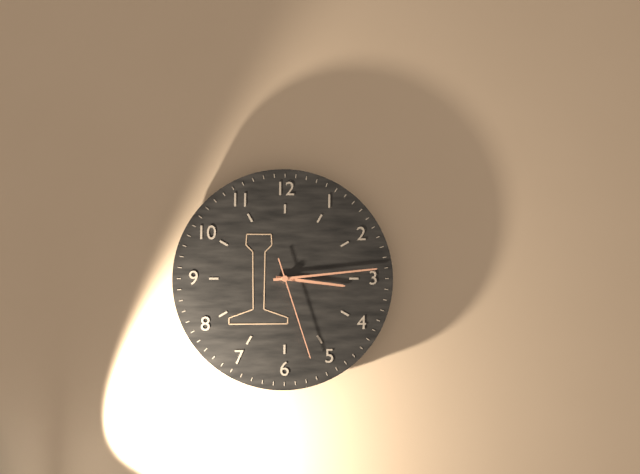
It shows 3h14m27s
